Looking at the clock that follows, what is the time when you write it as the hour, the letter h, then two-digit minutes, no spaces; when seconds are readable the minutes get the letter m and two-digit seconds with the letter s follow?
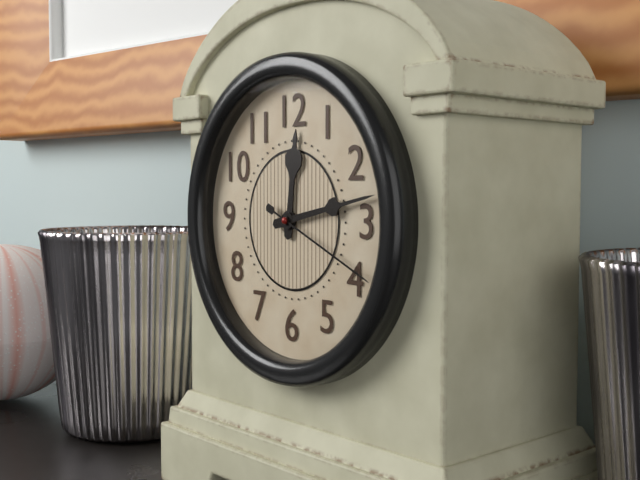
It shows 12h13m19s
